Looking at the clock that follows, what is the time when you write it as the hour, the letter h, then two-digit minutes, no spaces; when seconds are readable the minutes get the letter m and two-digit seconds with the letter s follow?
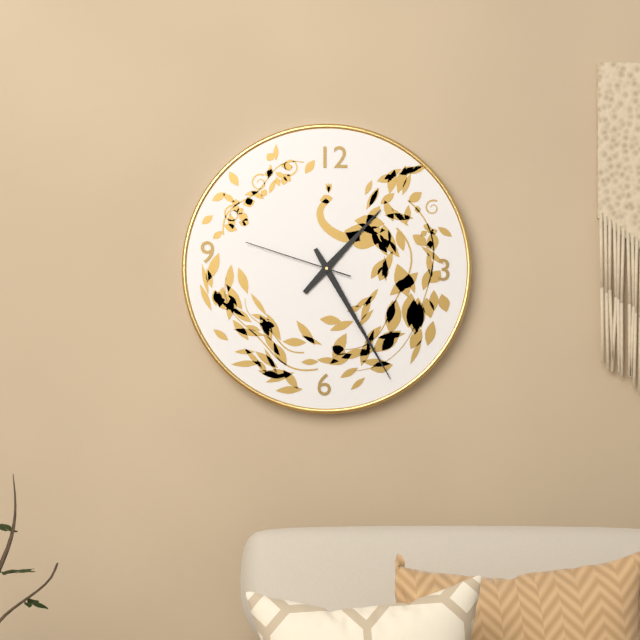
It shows 1h25m48s
